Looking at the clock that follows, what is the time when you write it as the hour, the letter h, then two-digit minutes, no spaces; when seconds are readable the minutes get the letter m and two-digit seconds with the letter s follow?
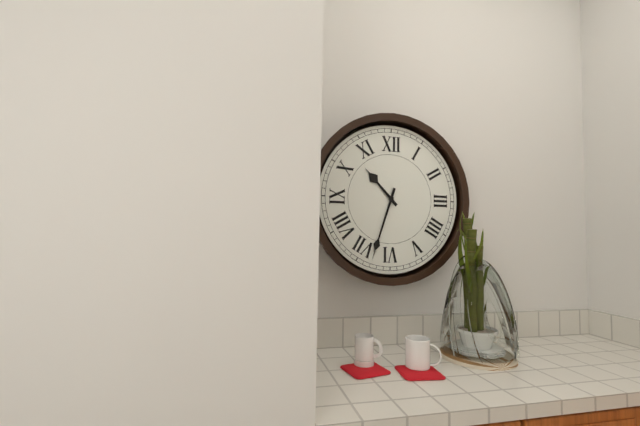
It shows 10h33
